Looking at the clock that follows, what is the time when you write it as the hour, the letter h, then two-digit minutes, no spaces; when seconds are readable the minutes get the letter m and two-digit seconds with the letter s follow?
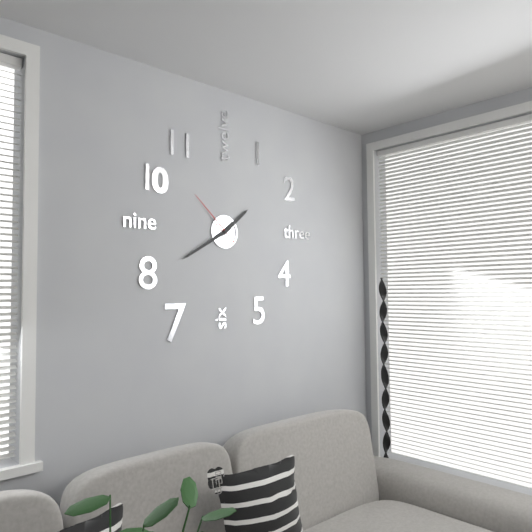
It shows 1h40m52s
